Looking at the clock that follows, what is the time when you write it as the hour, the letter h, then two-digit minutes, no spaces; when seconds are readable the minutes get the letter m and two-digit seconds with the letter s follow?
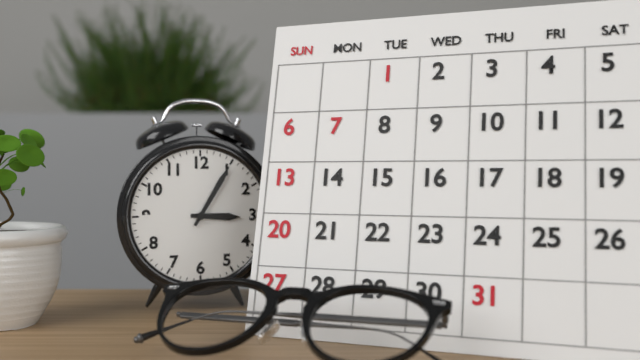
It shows 3h05
